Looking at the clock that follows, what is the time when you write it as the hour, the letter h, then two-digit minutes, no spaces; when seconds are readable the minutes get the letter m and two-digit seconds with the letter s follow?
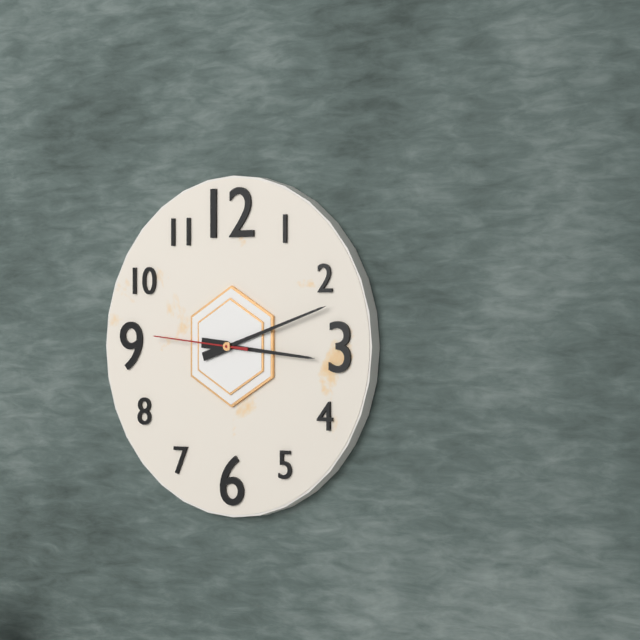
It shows 3h12m46s
